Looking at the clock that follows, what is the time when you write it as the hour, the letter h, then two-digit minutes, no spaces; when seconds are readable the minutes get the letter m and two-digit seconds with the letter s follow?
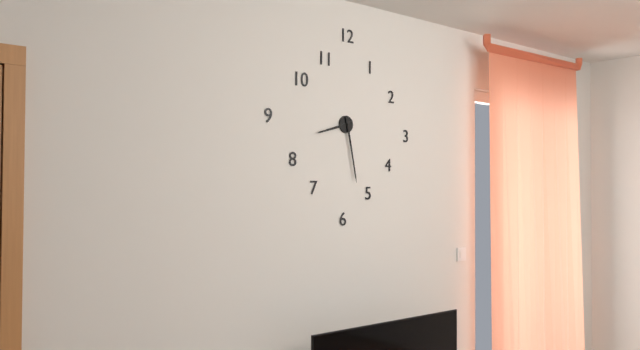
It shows 8h28
